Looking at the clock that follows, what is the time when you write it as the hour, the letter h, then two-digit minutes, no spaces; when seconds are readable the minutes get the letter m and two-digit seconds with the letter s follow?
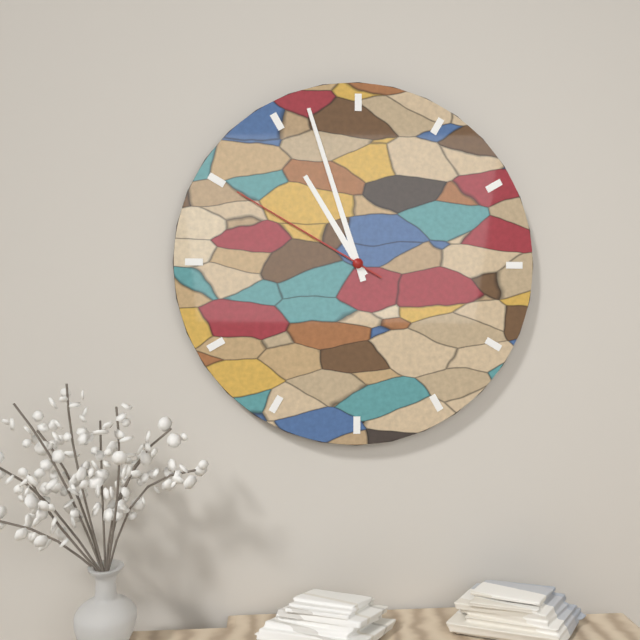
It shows 10h57m50s
